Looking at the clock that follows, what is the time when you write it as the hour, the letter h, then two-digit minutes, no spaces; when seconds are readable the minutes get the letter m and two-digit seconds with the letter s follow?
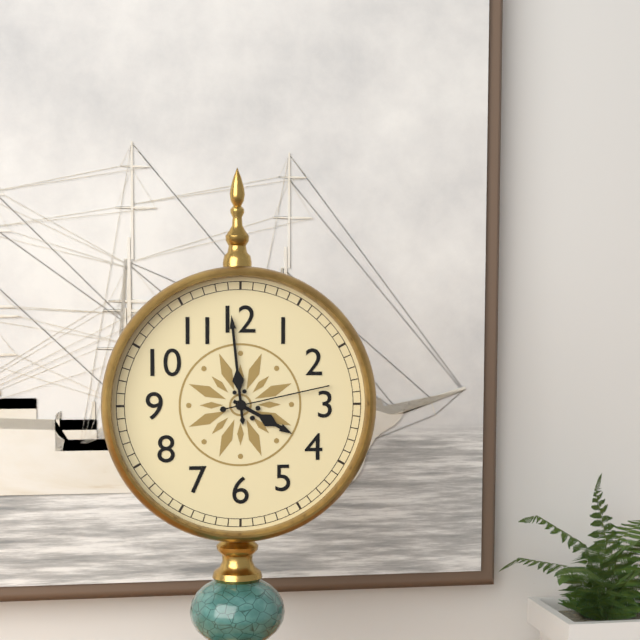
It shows 3h59m13s
